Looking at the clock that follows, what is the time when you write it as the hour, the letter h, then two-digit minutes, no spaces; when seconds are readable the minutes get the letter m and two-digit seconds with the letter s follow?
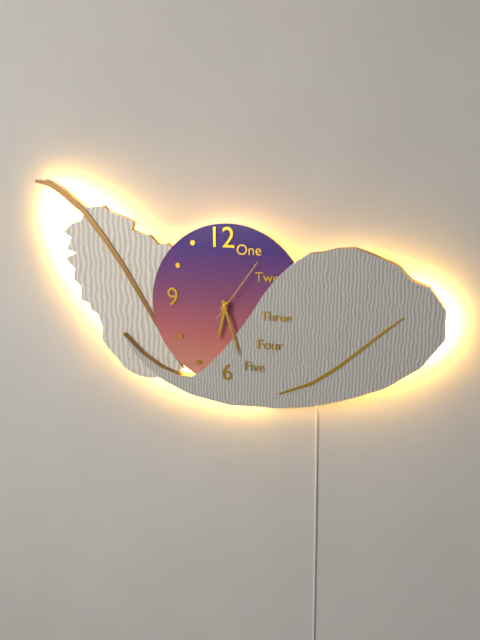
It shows 6h27m06s
